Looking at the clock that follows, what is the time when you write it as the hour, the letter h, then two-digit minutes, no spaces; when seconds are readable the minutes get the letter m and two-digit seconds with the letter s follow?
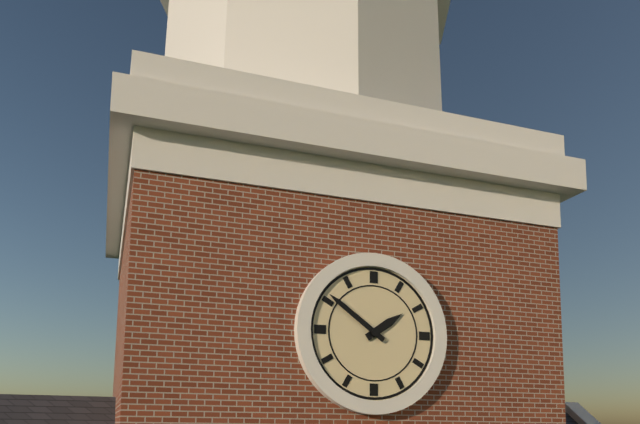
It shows 1h51
